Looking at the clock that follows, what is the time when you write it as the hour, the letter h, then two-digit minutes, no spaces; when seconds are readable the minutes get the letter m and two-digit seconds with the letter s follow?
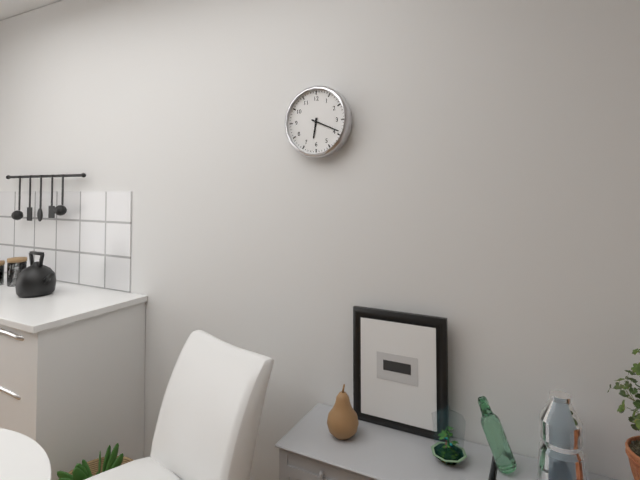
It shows 6h19
